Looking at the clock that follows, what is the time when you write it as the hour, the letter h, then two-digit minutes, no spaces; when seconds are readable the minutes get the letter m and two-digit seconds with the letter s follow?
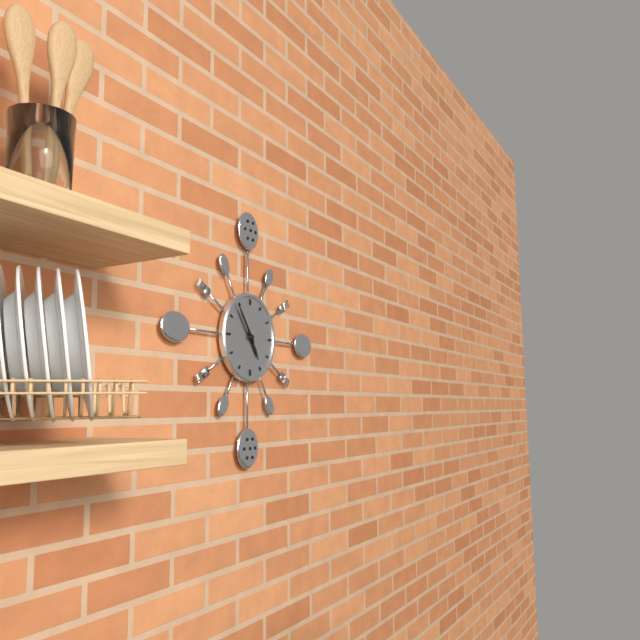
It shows 4h54
